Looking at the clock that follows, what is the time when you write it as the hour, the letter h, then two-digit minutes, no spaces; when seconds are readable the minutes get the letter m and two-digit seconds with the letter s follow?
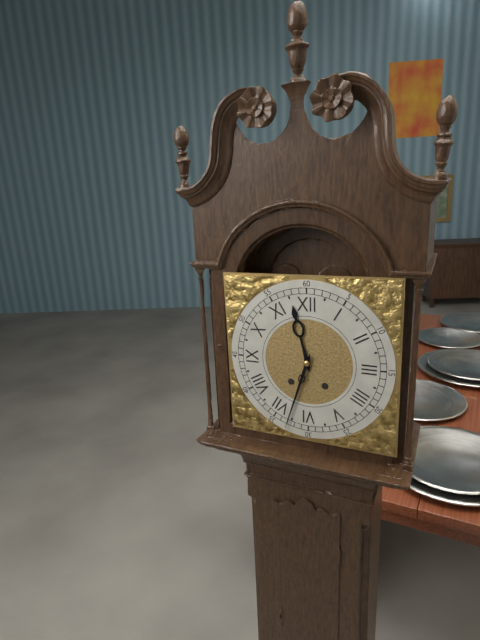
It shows 11h33
